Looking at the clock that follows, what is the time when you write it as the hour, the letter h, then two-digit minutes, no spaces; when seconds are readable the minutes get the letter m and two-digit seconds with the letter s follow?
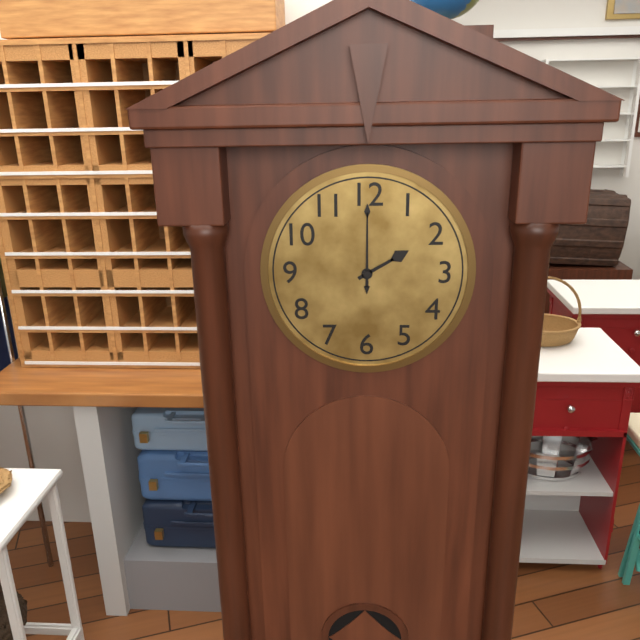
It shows 2h00
